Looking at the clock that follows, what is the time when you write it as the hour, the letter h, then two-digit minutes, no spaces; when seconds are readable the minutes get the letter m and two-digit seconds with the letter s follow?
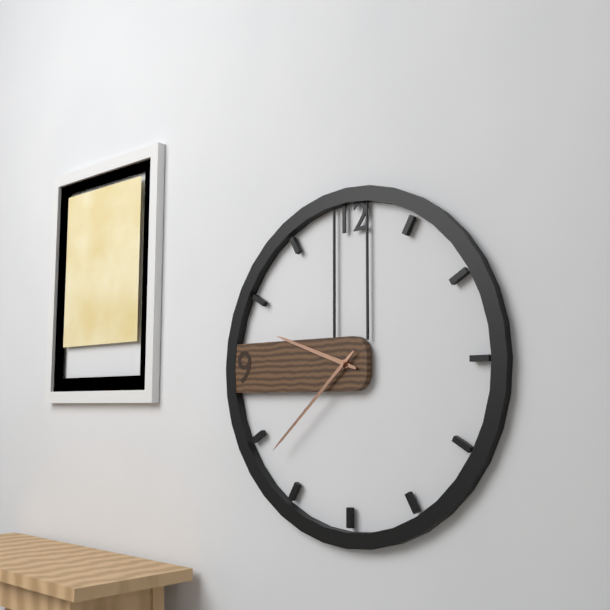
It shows 9h38
